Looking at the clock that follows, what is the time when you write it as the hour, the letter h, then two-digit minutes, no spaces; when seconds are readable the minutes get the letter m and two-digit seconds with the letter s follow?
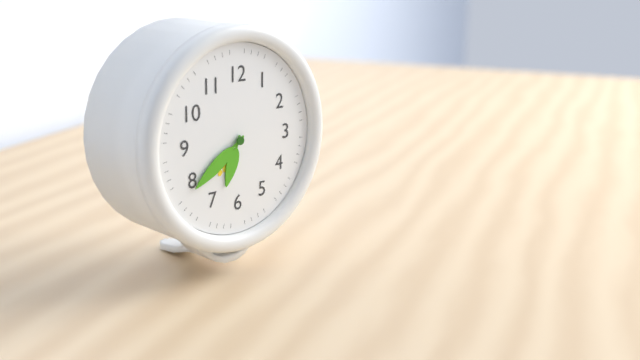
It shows 6h39
